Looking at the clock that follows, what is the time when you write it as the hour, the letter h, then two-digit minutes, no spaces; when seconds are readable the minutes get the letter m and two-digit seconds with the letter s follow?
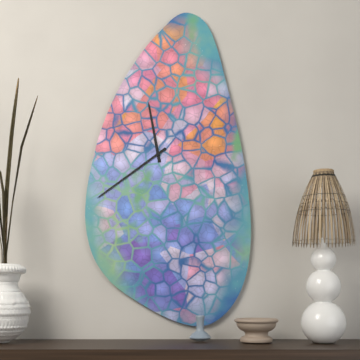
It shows 11h39
